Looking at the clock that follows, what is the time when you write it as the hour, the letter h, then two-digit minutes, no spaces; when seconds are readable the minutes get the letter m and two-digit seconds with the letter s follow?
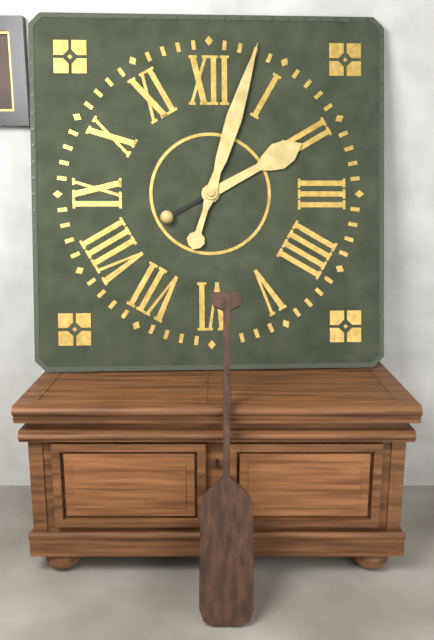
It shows 2h03
